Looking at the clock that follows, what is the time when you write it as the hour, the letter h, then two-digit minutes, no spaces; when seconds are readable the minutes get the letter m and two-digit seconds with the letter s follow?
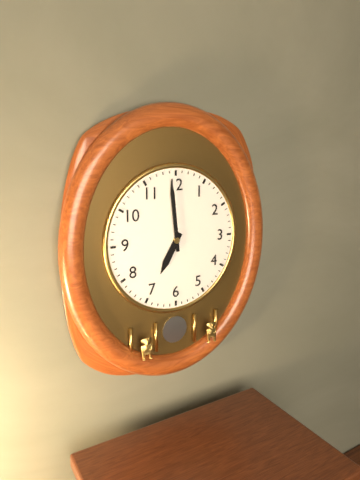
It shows 6h59
